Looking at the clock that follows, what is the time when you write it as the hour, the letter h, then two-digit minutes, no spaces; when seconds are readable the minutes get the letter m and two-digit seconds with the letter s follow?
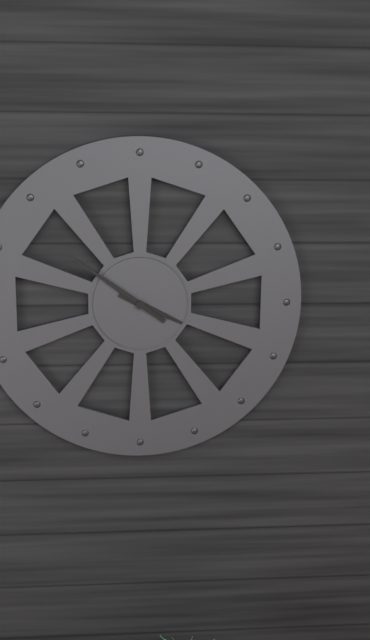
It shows 3h51
